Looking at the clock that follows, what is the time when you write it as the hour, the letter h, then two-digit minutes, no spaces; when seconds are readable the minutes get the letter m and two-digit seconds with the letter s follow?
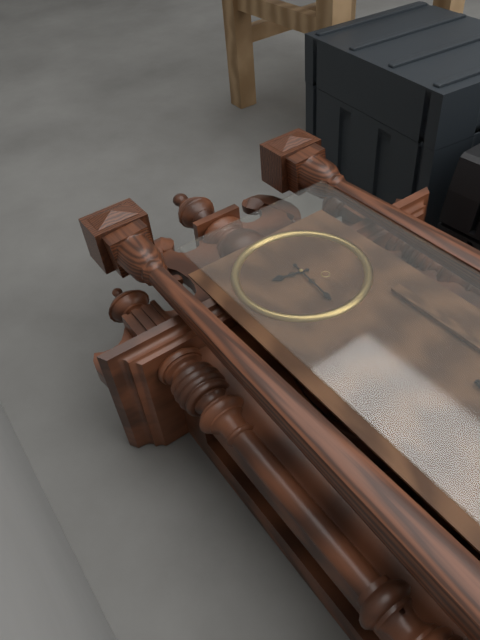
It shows 9h31
